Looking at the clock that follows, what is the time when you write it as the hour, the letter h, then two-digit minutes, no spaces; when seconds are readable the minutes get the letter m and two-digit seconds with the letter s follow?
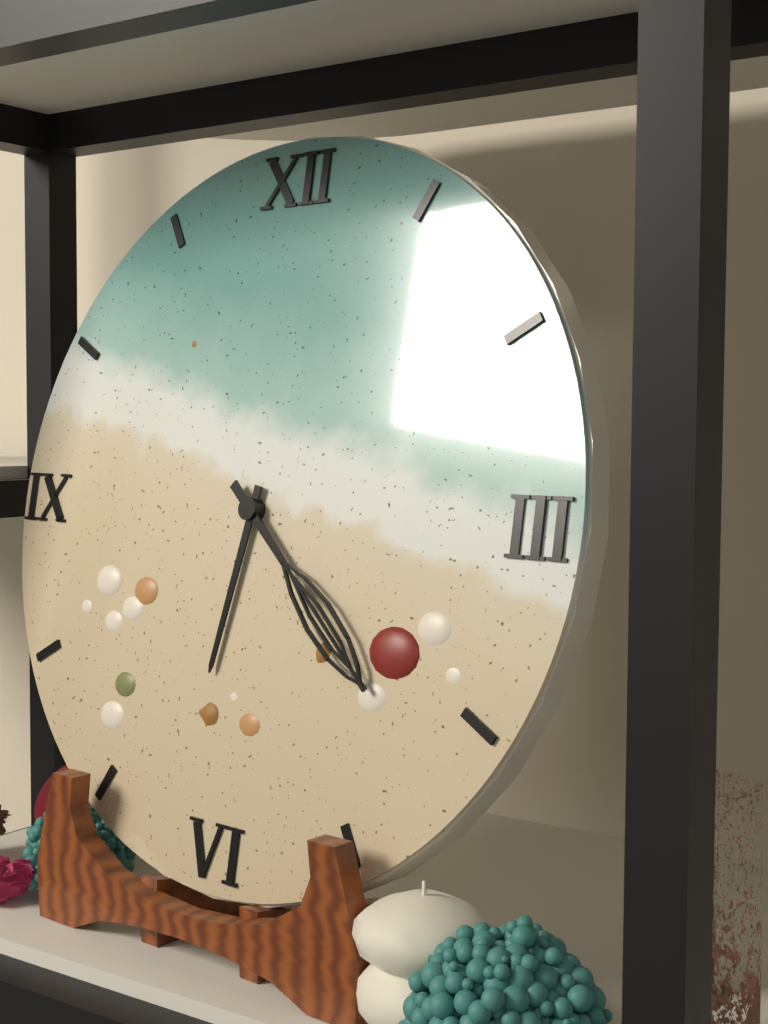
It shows 6h22
